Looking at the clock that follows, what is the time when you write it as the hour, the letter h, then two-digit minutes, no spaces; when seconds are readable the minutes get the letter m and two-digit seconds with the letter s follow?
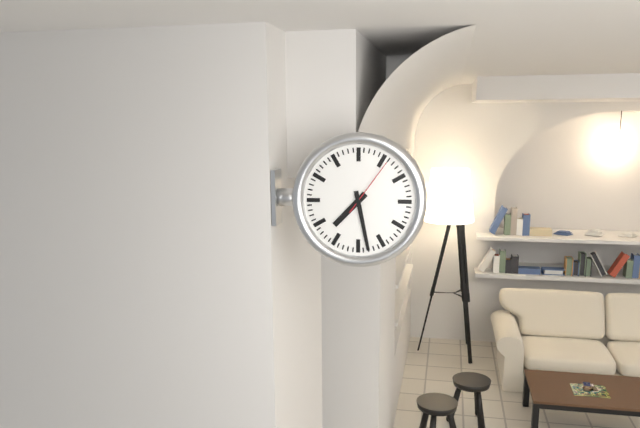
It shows 7h28m06s
